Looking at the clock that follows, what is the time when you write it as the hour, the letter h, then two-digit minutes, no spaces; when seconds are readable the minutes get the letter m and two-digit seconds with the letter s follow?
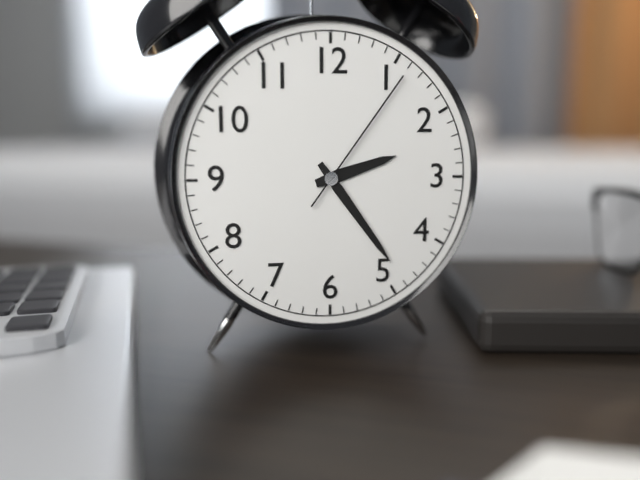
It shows 2h24m06s
